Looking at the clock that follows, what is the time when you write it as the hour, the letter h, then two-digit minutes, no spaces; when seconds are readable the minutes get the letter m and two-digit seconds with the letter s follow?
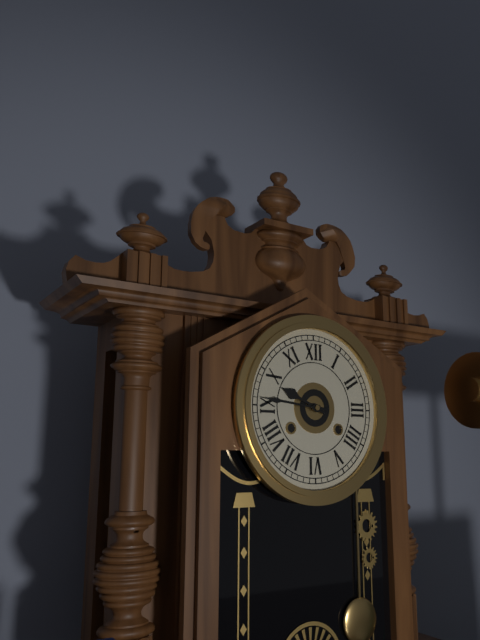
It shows 9h46
